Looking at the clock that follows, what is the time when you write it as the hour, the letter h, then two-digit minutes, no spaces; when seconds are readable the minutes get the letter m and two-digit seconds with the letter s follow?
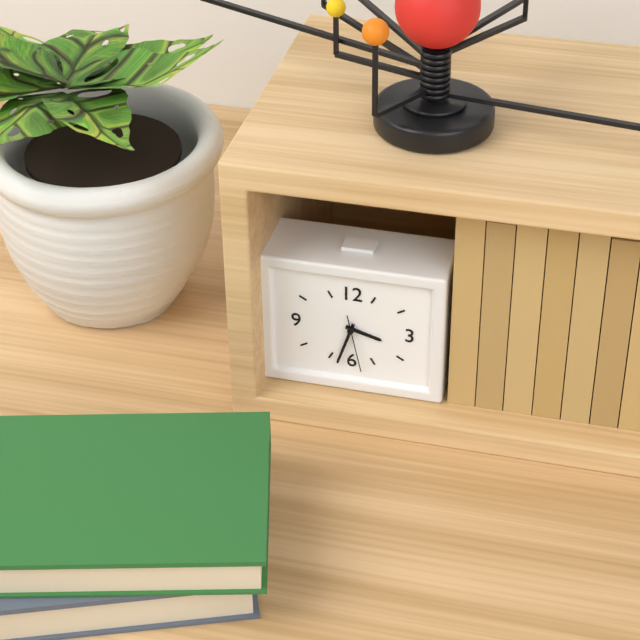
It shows 3h33m28s
